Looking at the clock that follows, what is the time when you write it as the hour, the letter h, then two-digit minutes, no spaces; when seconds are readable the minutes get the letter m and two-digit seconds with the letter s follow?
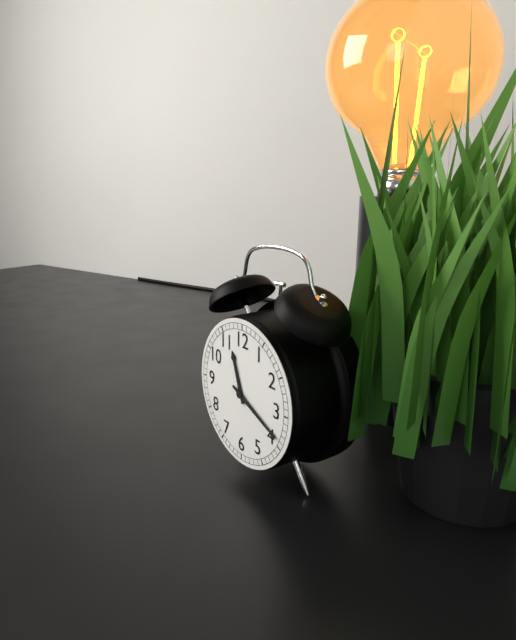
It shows 11h19
